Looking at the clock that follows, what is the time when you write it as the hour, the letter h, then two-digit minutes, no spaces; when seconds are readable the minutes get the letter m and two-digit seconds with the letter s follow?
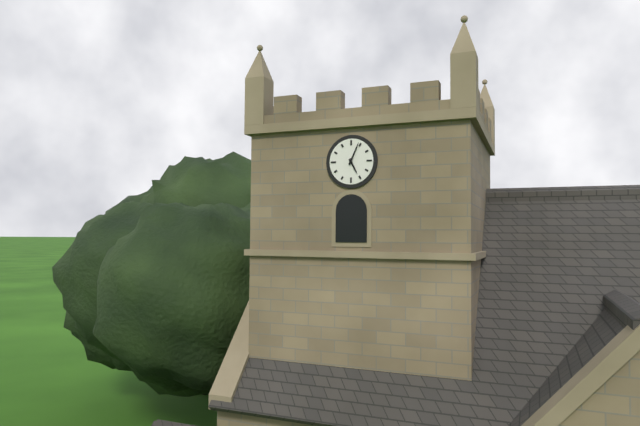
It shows 5h04
